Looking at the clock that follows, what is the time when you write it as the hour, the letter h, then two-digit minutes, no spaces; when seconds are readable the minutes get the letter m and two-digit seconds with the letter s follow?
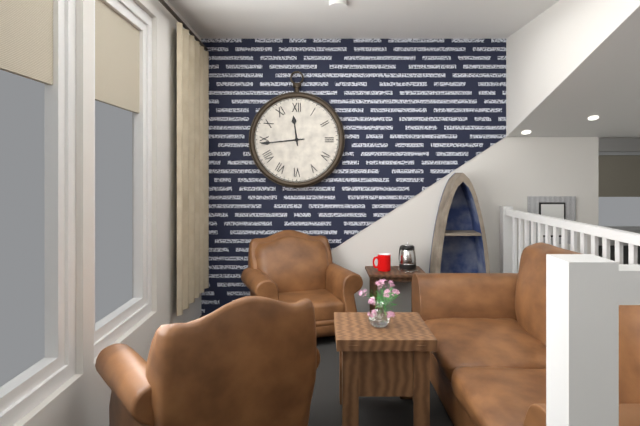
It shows 11h44
